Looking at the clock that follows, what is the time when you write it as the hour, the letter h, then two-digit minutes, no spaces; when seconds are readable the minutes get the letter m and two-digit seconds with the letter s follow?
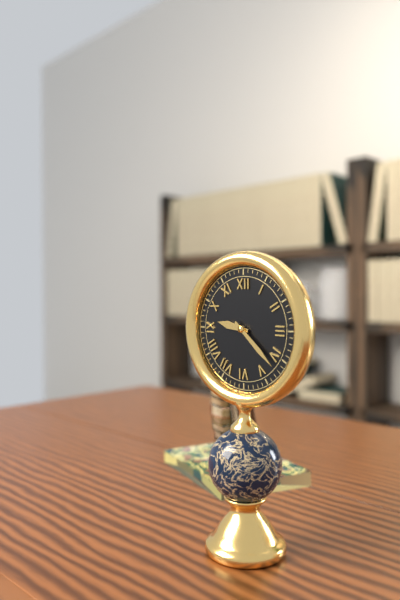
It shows 9h22
